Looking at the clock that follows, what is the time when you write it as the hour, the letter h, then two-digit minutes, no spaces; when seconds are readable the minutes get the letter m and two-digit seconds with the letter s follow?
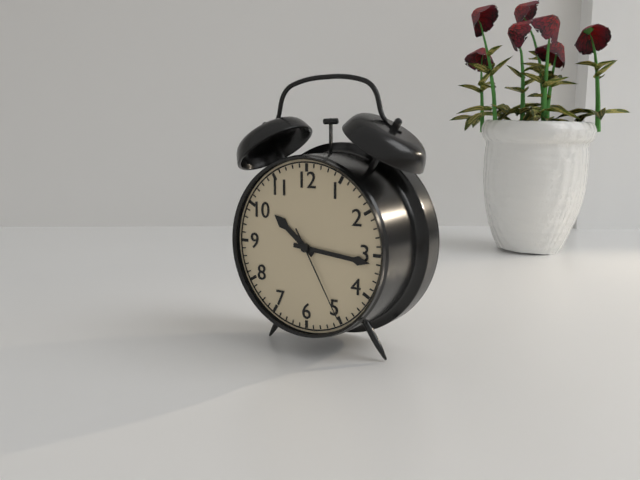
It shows 10h16m25s
